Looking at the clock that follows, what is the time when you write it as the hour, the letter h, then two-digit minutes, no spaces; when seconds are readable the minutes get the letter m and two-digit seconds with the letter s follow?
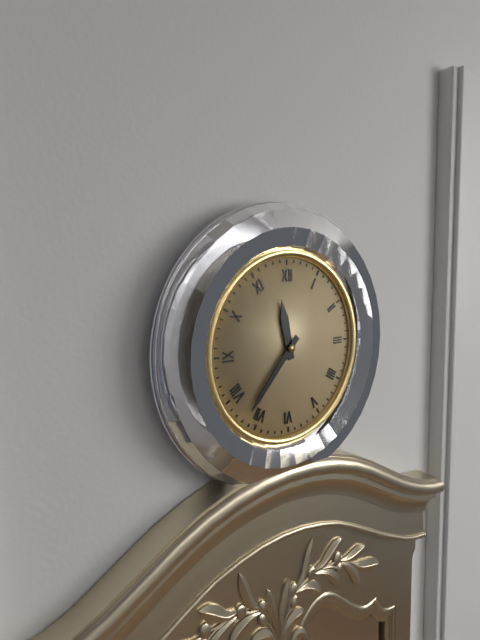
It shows 11h37
